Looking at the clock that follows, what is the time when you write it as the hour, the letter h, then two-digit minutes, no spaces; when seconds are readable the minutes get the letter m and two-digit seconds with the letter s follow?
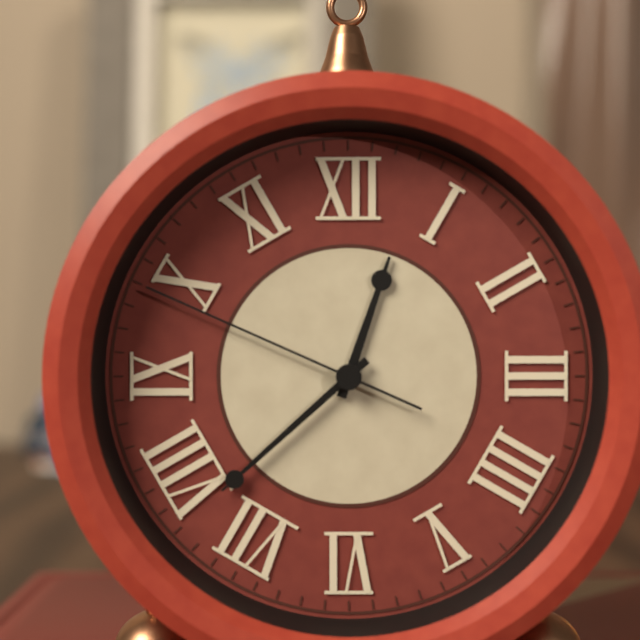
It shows 12h38m49s
